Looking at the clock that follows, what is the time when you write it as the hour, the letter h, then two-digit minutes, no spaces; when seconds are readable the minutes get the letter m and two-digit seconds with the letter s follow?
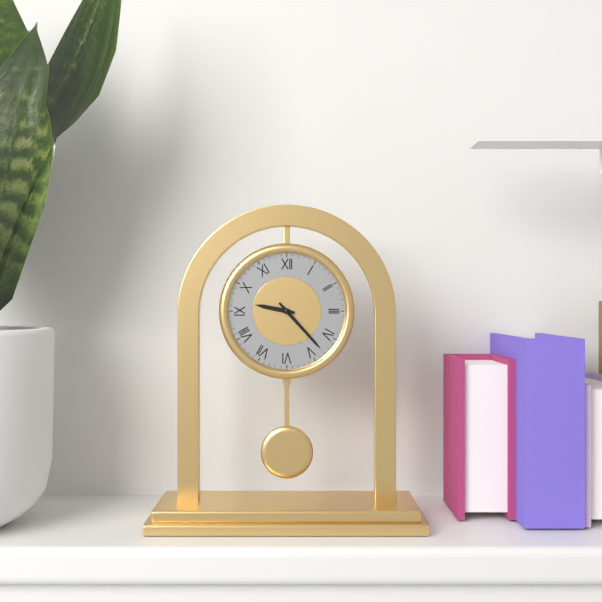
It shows 9h23
